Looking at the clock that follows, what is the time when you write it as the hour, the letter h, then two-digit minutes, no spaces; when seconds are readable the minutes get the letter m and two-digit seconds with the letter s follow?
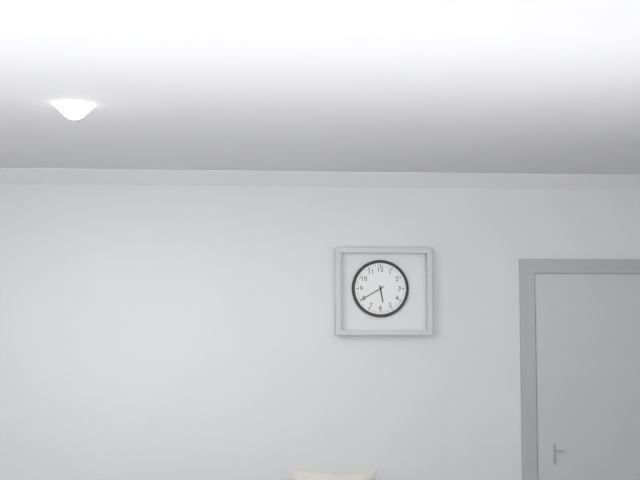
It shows 5h40
